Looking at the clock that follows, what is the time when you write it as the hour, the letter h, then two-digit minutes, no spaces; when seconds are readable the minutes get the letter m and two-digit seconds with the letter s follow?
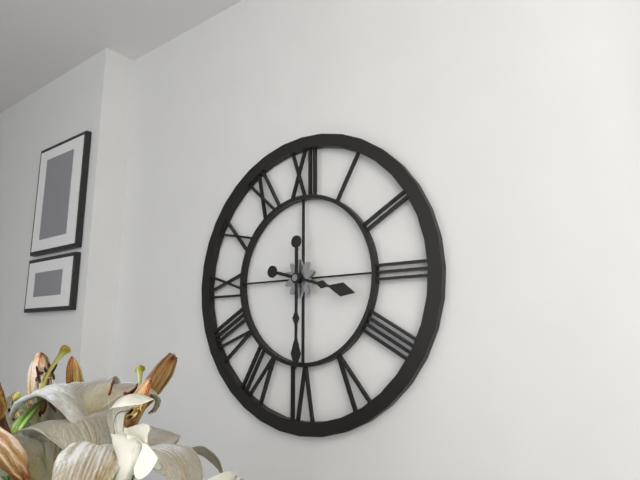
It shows 3h30
